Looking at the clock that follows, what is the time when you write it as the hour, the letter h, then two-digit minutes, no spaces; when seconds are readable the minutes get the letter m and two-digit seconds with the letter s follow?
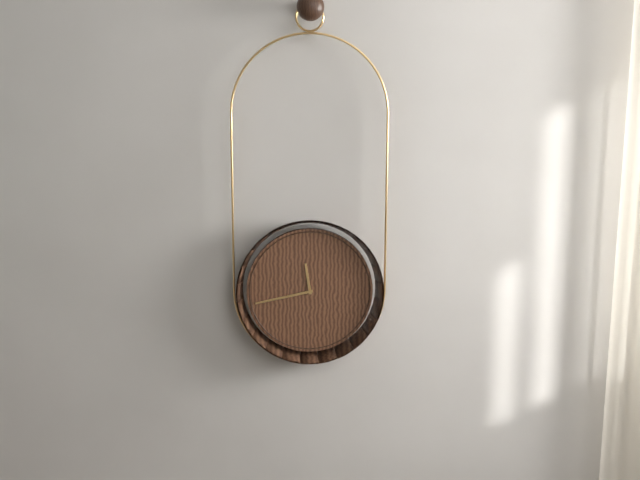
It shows 11h43
